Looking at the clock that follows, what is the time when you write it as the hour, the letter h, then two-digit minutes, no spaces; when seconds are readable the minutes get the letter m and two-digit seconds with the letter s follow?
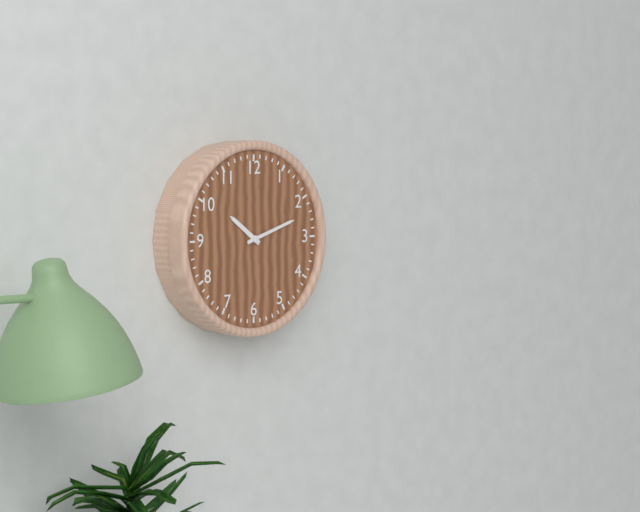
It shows 10h12
